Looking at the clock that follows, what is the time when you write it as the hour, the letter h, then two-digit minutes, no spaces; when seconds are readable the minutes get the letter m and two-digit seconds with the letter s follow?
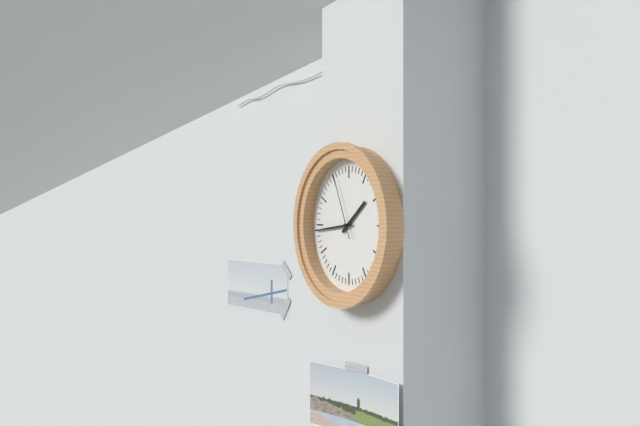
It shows 1h44m56s
